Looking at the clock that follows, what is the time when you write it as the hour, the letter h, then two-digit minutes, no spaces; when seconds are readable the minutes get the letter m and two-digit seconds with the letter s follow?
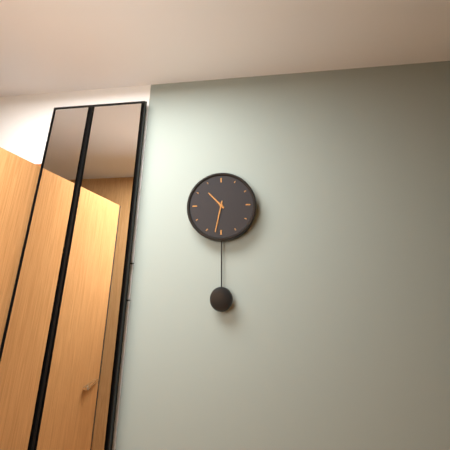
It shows 10h32
